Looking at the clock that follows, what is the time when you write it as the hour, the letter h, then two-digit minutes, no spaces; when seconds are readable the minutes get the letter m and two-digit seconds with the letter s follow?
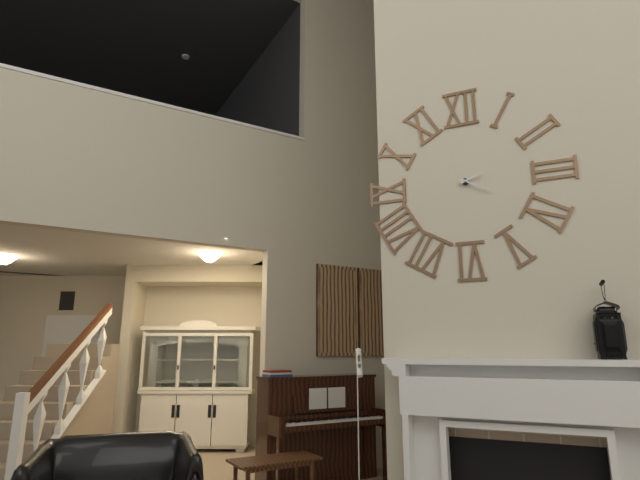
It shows 2h20
